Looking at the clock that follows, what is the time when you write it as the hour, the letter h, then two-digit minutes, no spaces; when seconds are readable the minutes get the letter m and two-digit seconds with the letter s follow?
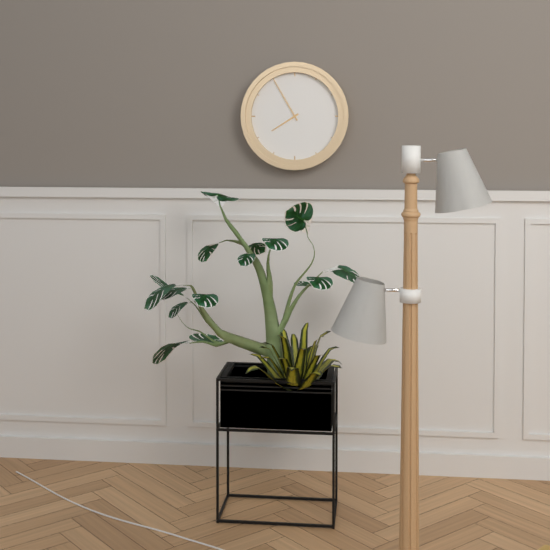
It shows 7h55
